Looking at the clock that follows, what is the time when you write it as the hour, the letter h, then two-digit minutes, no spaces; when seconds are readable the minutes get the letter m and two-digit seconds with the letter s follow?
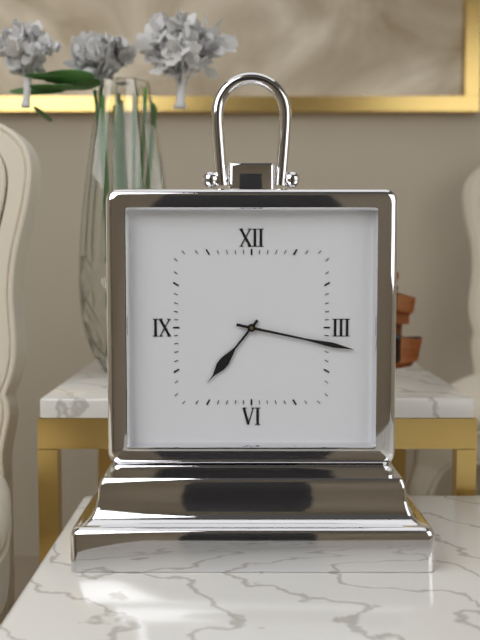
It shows 7h17
